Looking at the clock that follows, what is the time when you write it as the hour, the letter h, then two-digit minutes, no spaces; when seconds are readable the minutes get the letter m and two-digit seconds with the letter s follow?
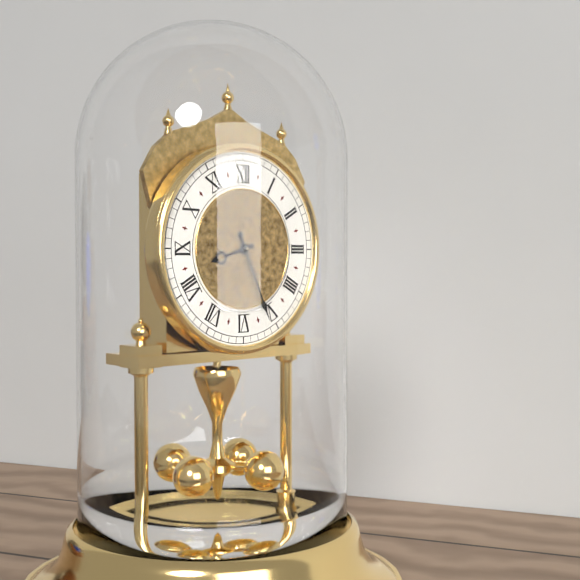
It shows 8h26
